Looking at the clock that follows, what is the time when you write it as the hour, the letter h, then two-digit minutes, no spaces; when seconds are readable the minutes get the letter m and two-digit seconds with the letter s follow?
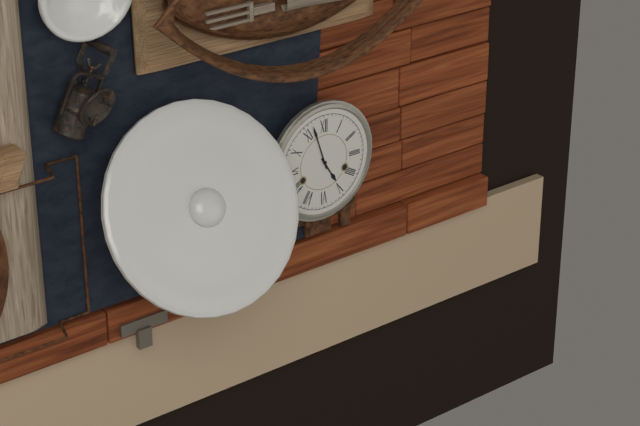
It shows 4h57
